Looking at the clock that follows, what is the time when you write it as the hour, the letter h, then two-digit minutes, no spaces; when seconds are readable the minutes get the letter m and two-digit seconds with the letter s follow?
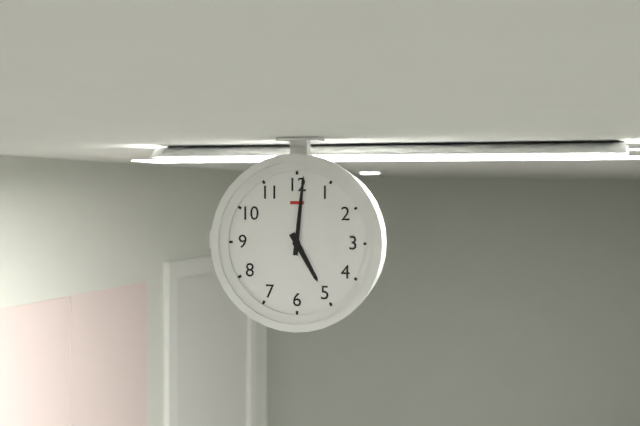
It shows 5h01
